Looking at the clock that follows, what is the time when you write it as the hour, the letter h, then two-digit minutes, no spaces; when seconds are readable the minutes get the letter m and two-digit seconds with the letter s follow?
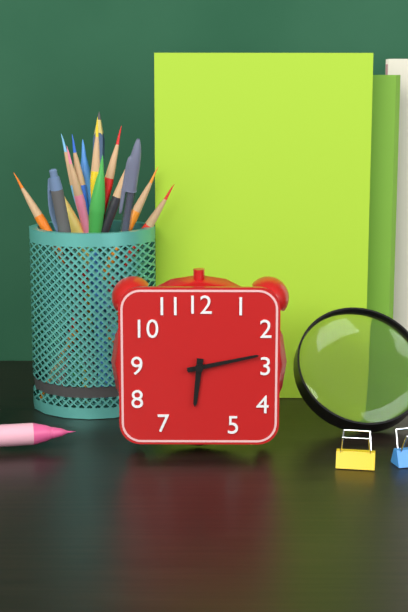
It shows 6h13
